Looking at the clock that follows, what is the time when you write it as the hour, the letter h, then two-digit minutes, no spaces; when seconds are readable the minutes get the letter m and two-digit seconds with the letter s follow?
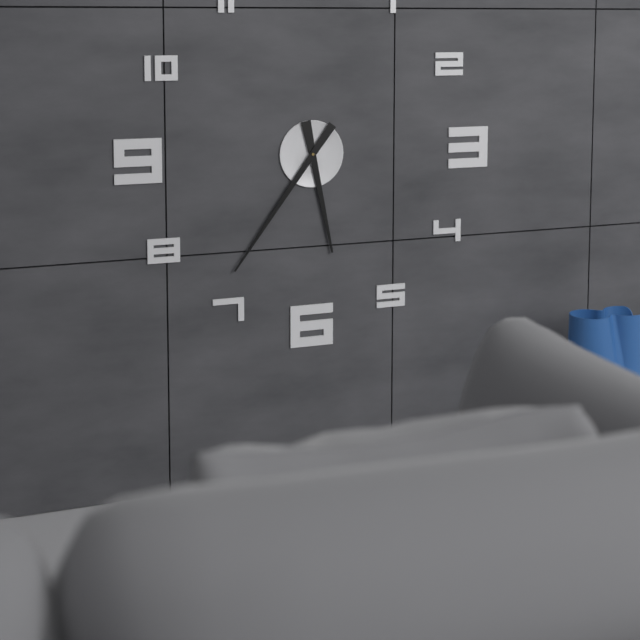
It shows 5h36
